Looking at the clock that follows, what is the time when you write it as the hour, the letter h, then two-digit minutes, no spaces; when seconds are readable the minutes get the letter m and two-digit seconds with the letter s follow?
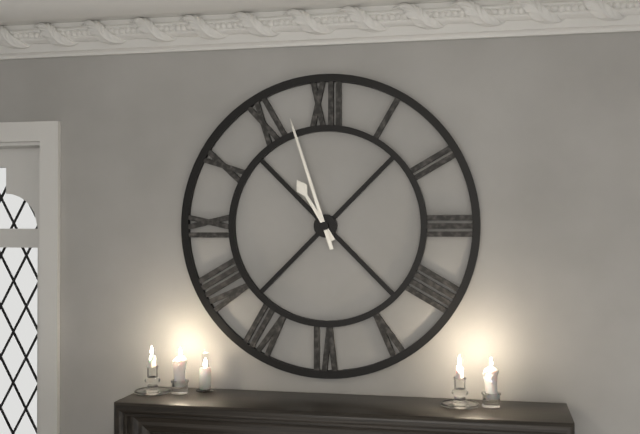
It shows 10h57
